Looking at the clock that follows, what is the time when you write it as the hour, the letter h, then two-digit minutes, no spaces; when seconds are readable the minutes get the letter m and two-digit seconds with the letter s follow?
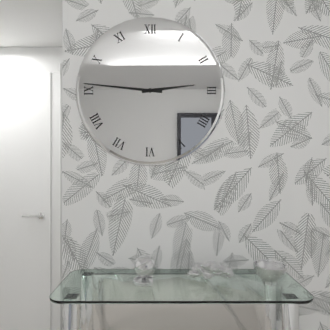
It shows 2h46
